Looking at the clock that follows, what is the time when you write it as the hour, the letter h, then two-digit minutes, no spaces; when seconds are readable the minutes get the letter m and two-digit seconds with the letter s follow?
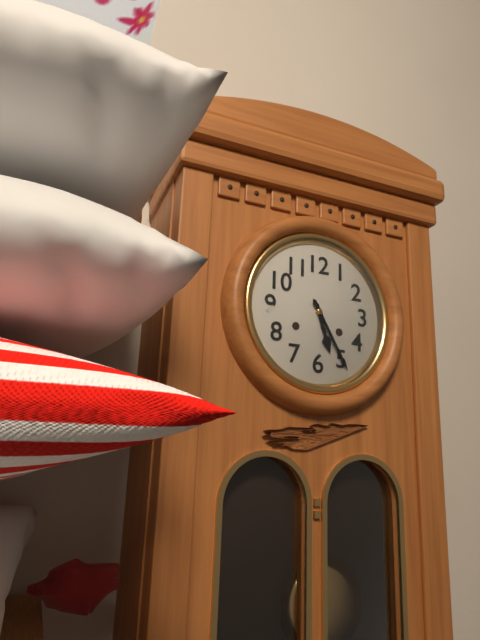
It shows 5h25
